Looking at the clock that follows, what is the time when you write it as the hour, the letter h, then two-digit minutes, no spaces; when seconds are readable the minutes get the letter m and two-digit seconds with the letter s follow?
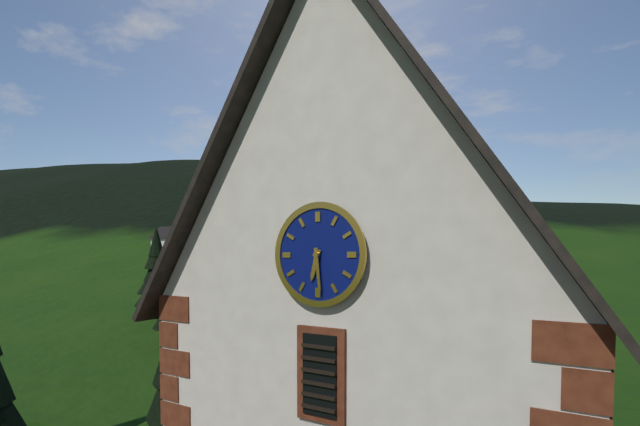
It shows 6h29
